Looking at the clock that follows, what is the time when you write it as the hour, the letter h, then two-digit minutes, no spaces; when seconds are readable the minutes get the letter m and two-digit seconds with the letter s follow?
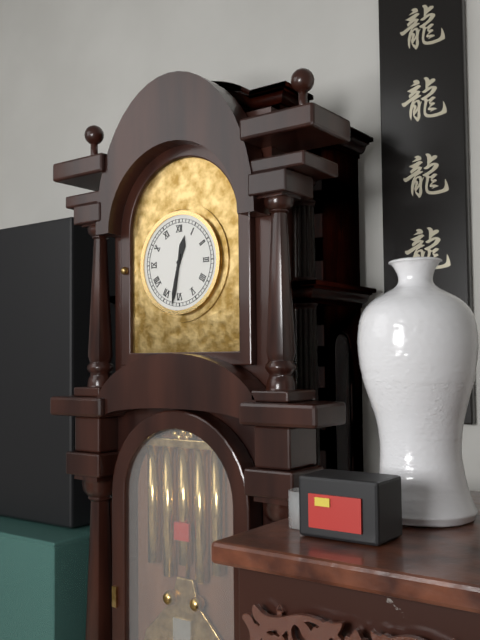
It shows 12h32
